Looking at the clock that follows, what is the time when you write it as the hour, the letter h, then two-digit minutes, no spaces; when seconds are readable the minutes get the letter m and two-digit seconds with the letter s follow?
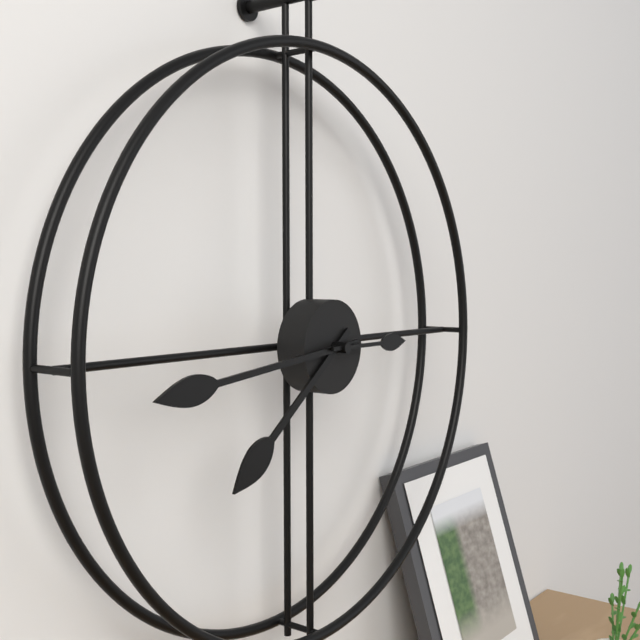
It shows 7h44m15s
